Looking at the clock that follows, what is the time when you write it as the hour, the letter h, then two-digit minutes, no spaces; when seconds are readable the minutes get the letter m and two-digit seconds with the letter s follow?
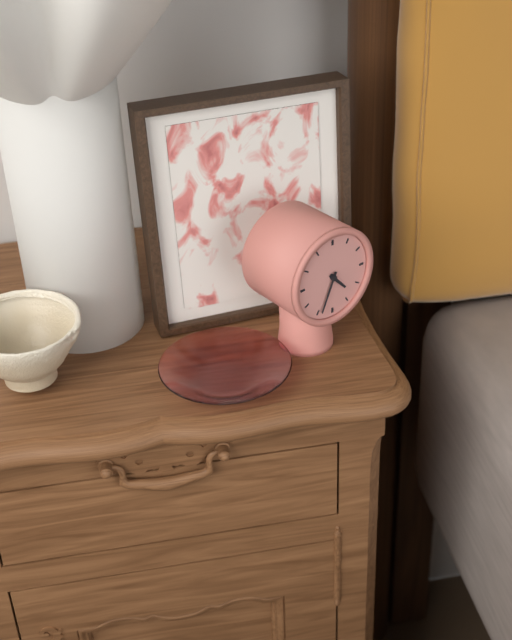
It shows 4h34
